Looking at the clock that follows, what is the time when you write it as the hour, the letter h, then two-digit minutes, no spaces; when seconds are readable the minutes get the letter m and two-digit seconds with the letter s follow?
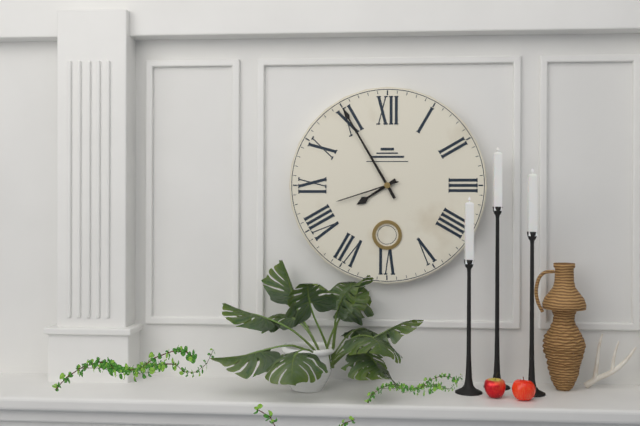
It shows 7h55m42s
